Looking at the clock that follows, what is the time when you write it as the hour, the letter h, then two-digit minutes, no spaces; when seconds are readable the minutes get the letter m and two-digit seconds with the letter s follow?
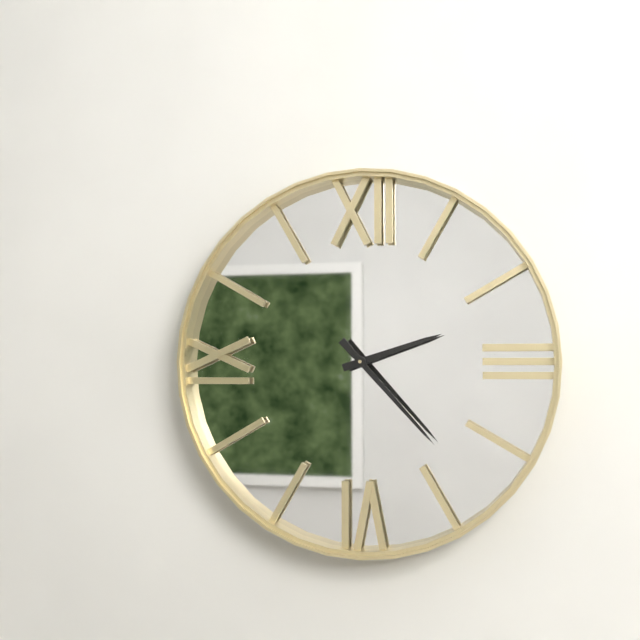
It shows 2h23
